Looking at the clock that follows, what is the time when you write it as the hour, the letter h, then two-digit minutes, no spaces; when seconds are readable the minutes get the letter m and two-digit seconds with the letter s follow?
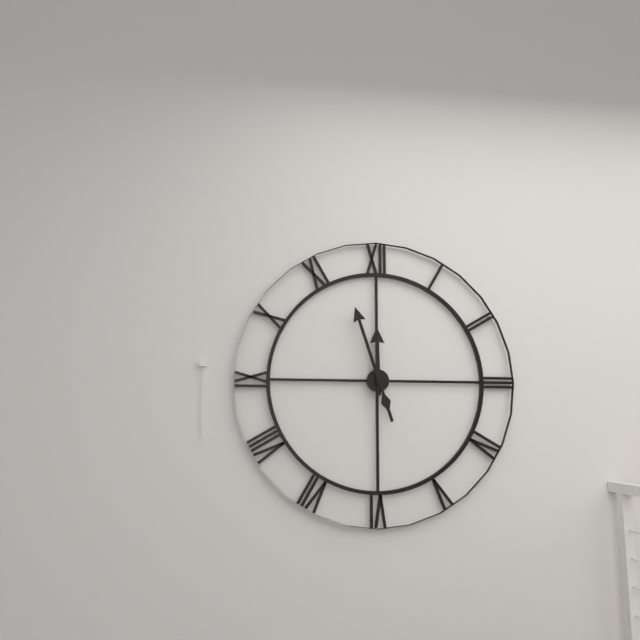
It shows 11h57
